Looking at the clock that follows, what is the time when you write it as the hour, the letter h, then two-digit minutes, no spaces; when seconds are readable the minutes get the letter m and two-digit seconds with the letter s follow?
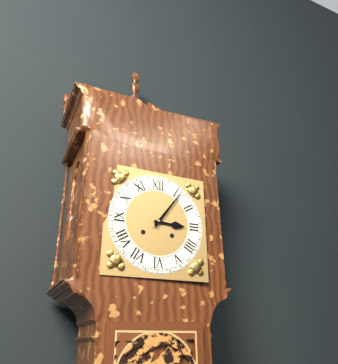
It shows 3h06
